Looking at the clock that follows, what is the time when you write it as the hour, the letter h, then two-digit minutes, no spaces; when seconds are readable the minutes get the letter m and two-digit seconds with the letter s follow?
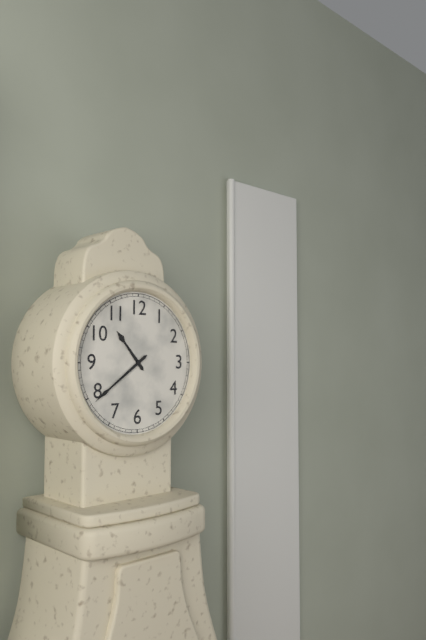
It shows 10h39
